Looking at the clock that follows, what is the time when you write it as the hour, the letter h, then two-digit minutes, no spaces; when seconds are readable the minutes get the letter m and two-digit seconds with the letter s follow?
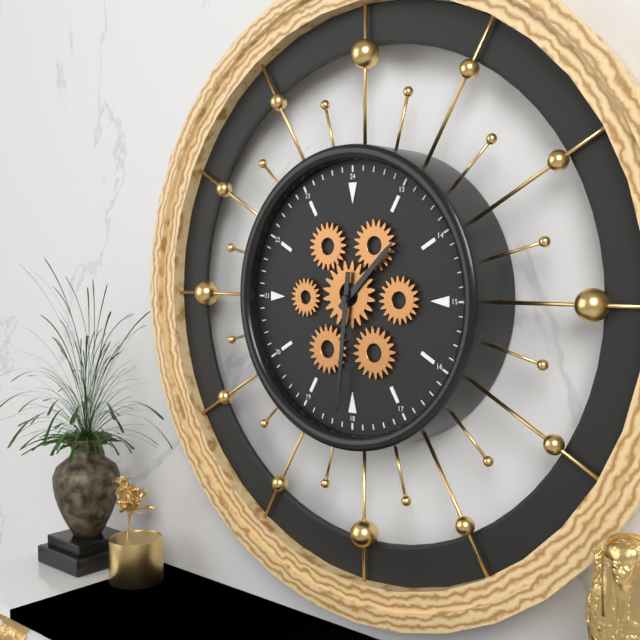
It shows 1h31
